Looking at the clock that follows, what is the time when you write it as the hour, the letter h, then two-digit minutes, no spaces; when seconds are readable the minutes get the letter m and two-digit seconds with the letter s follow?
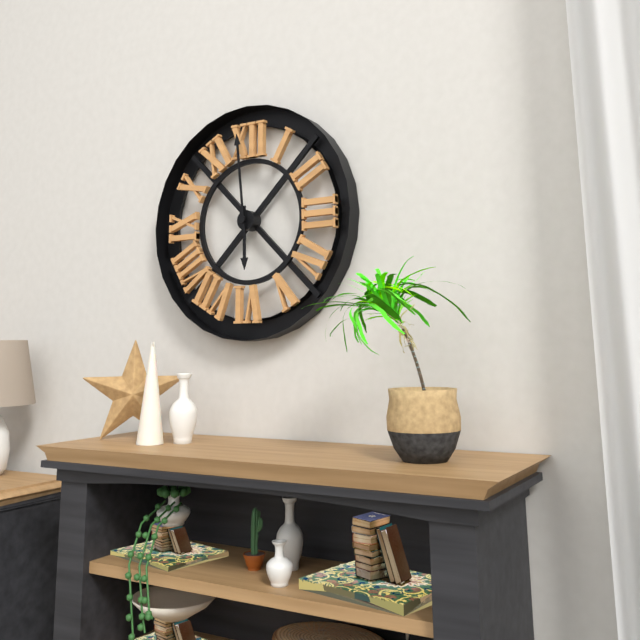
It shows 5h59
